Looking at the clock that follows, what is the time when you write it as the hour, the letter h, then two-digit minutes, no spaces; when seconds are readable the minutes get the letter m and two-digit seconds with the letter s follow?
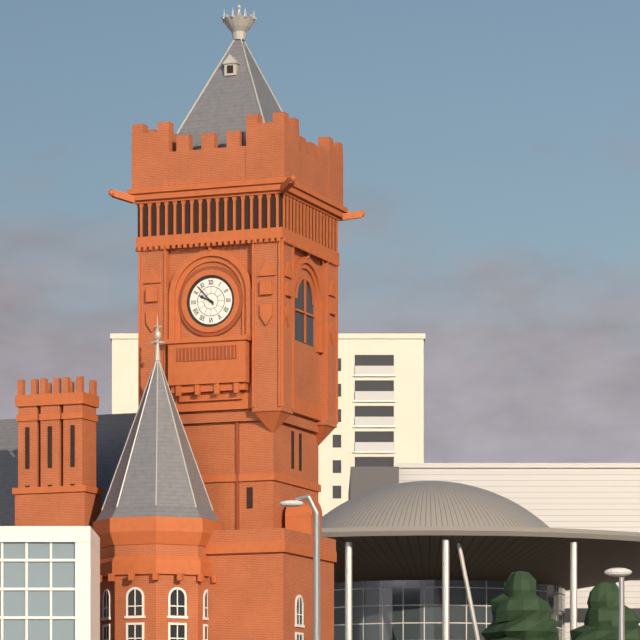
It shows 9h53
